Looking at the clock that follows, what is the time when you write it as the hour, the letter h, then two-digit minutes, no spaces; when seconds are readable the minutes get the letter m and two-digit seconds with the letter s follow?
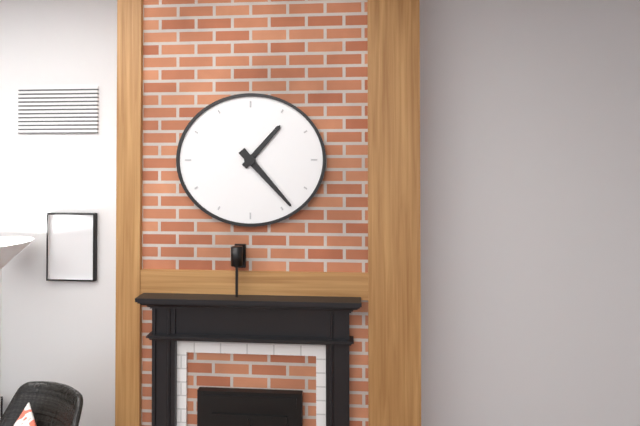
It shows 1h23
